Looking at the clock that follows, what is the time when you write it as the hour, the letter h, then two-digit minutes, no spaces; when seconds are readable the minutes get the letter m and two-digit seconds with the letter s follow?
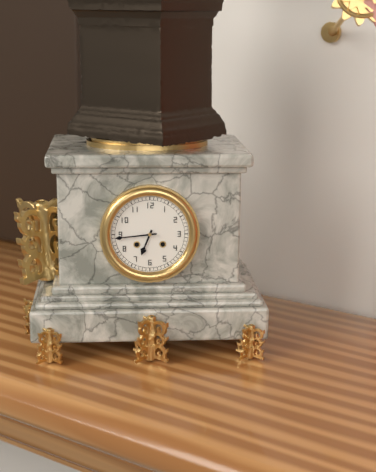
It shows 6h44
